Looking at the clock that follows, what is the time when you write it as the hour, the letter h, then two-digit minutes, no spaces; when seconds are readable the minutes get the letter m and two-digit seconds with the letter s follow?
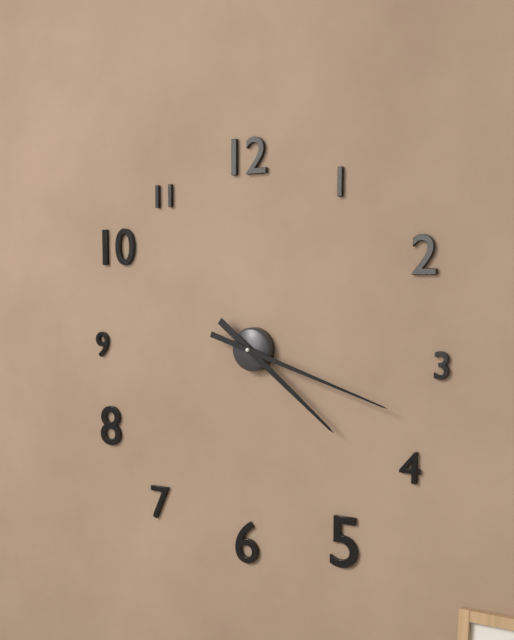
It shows 4h18
